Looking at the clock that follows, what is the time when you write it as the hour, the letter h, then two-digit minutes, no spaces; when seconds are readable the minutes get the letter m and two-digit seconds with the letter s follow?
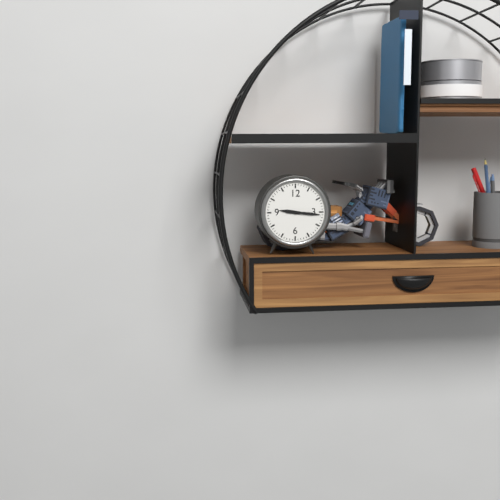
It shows 9h16
